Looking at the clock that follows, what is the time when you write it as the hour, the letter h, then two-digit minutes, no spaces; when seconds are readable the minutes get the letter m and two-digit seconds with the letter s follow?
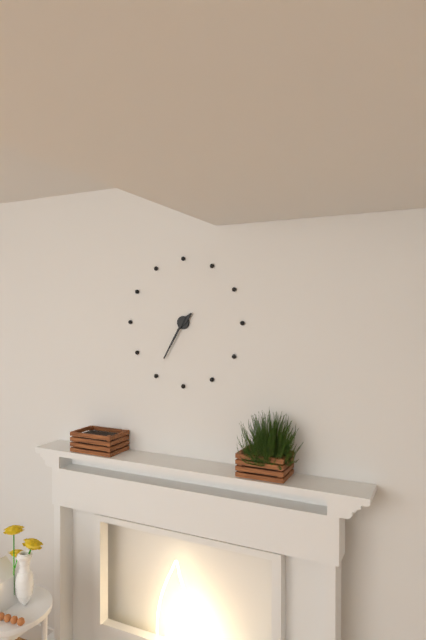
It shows 1h35
